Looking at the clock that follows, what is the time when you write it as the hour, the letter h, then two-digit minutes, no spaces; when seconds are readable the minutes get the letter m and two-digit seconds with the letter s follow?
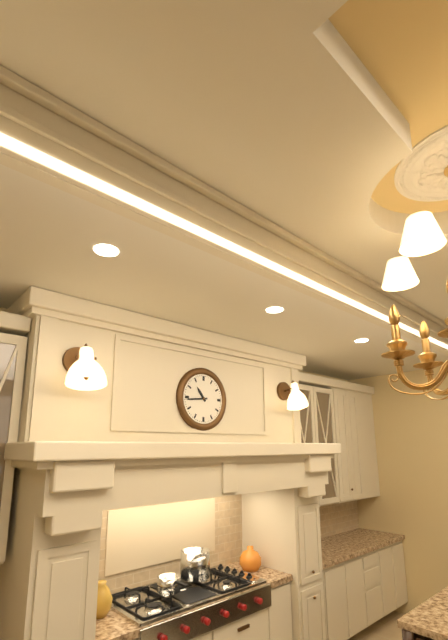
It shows 10h44
